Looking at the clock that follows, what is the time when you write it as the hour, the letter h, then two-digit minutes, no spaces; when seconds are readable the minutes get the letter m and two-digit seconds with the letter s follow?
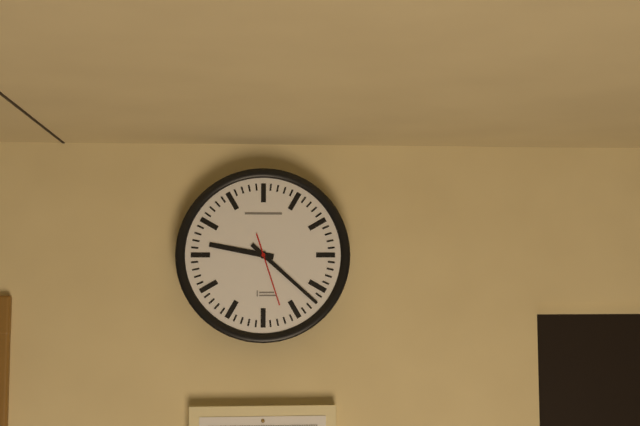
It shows 9h22m27s
